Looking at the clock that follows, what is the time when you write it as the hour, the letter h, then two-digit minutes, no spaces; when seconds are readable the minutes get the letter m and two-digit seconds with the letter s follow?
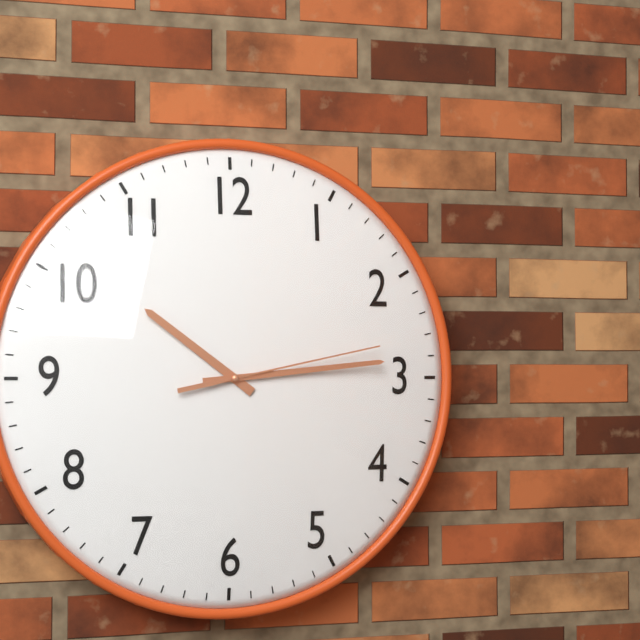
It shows 10h14m13s
